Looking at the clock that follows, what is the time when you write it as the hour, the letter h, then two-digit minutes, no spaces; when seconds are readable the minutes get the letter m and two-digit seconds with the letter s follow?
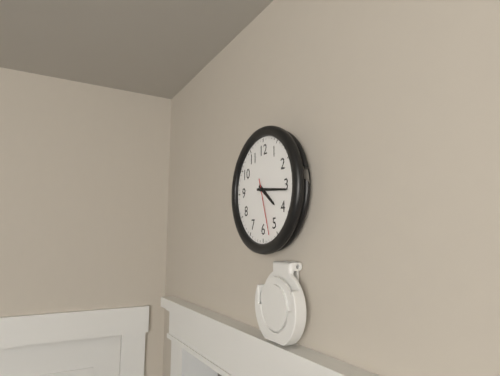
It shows 4h16m27s
